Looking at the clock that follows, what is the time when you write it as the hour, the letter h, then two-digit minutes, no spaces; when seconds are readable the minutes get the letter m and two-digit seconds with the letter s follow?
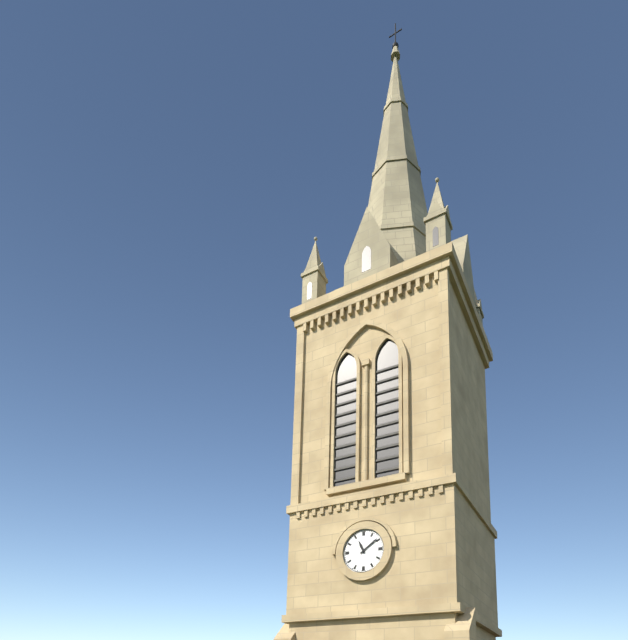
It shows 11h09
